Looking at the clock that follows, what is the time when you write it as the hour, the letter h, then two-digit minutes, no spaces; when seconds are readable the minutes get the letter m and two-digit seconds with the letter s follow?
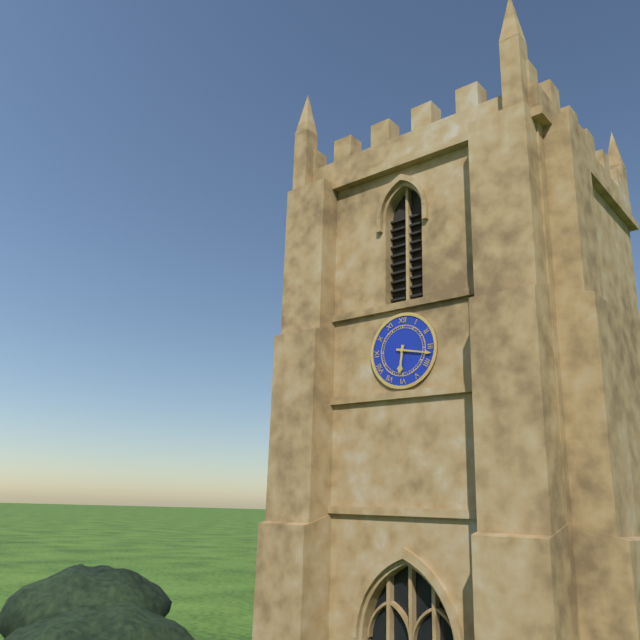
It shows 6h17
